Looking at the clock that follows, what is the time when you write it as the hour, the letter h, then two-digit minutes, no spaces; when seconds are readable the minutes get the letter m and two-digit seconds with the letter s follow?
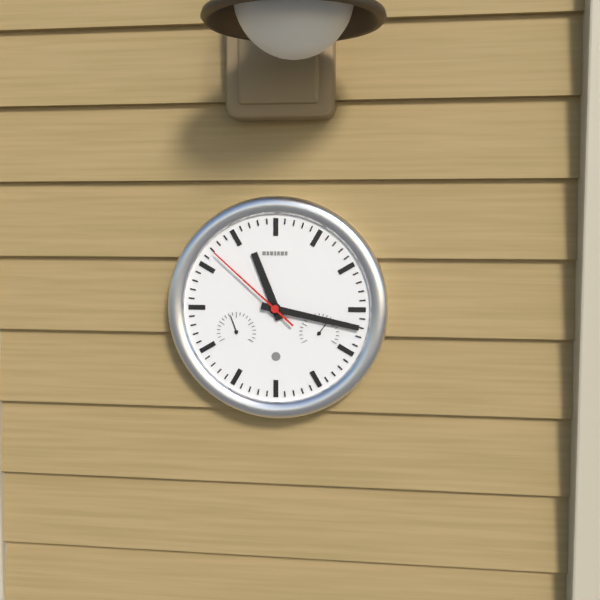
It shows 11h17m52s
